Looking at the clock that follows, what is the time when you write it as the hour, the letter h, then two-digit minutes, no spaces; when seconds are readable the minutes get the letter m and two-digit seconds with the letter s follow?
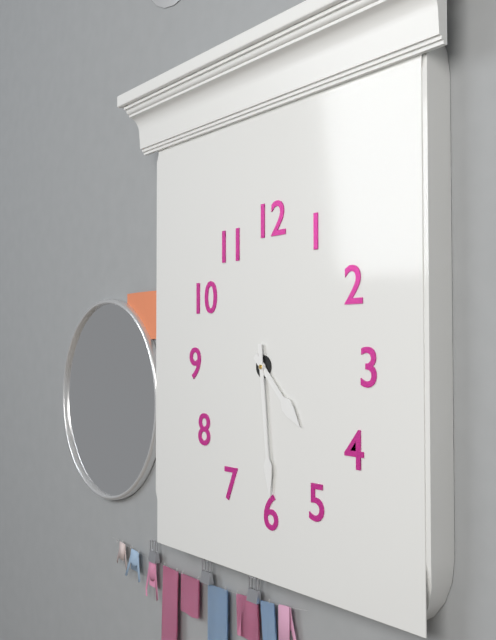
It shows 4h29
